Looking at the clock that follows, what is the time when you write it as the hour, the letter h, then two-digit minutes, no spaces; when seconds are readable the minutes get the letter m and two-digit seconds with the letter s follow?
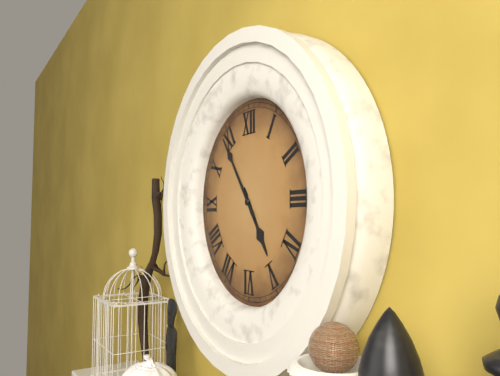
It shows 4h54
